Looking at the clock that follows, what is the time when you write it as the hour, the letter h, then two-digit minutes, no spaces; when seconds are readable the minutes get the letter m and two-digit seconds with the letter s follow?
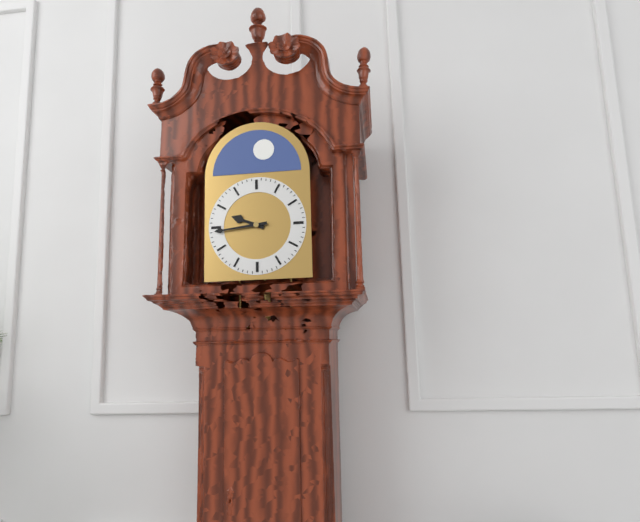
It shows 9h44
